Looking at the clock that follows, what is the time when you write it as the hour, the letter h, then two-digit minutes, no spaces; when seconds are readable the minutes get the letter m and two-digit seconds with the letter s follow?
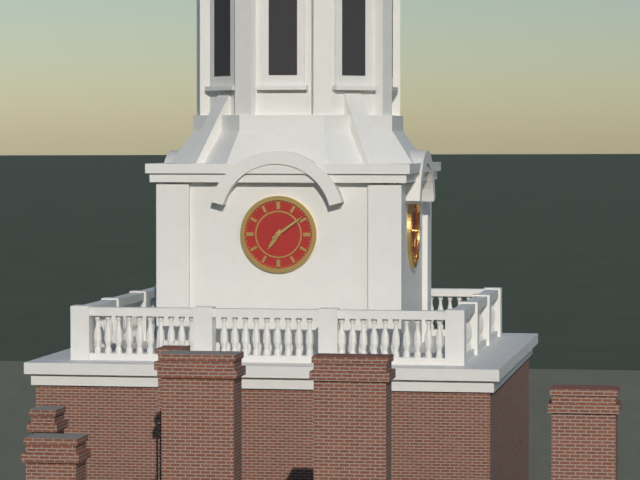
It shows 7h09
